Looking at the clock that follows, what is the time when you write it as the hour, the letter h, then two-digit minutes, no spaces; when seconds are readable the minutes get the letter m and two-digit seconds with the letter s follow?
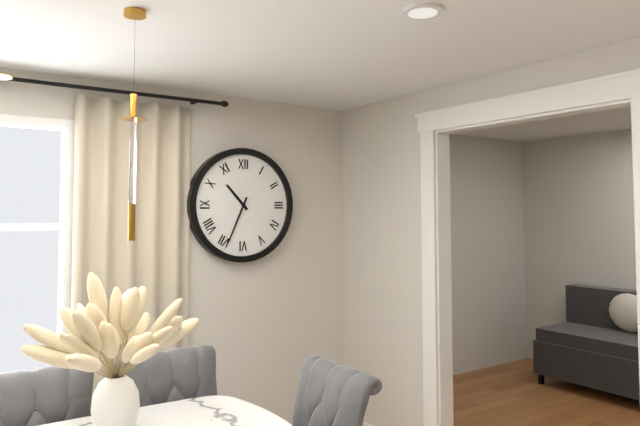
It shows 10h34
